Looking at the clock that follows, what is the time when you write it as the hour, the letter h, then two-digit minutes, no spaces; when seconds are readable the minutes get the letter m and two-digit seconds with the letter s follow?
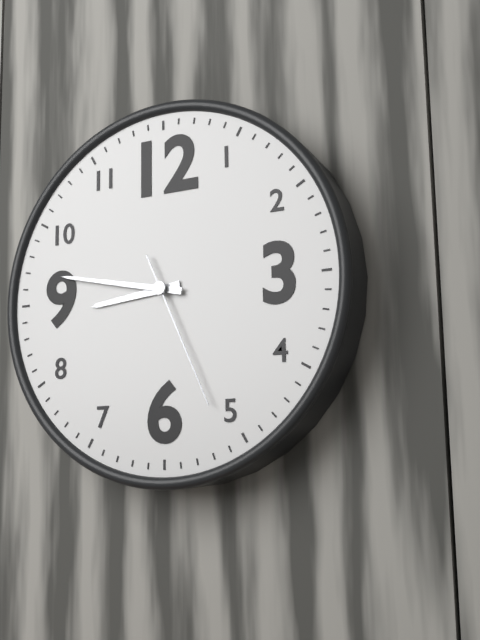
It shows 8h47m26s
